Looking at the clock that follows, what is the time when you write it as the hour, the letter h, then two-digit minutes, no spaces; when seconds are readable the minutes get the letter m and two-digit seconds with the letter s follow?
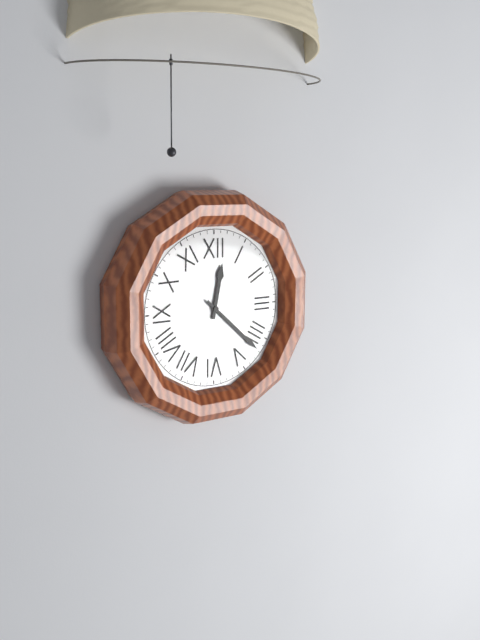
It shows 12h22
